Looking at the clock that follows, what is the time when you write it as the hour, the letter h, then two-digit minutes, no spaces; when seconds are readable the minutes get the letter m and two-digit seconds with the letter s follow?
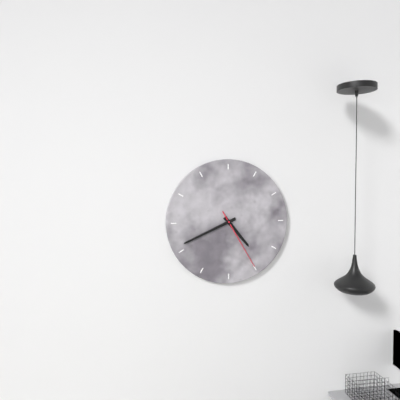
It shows 4h41m25s
